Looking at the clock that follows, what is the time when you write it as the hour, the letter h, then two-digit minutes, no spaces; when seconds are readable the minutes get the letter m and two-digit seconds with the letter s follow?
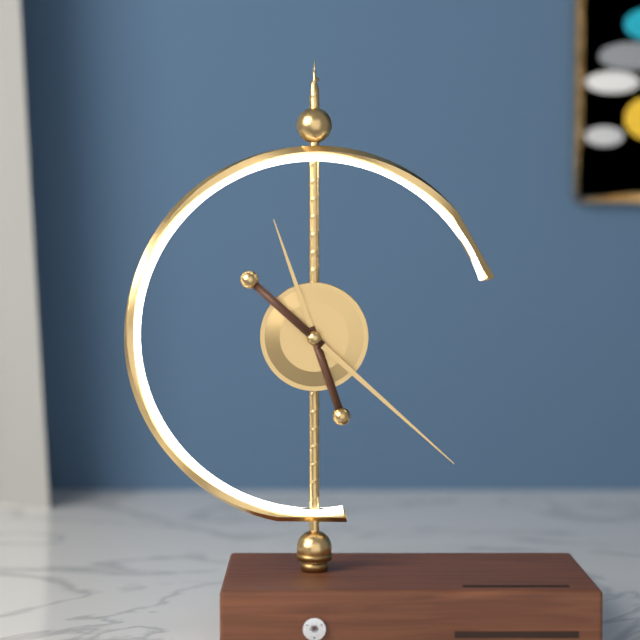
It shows 11h22
